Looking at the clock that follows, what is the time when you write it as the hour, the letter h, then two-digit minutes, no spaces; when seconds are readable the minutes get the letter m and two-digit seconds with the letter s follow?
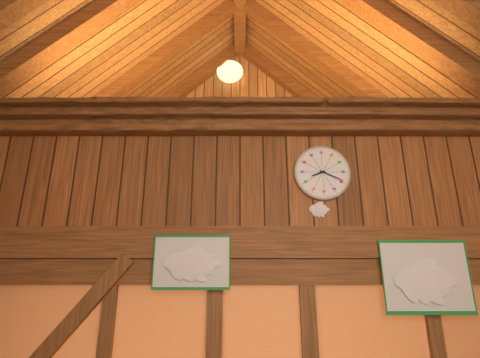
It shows 8h19
